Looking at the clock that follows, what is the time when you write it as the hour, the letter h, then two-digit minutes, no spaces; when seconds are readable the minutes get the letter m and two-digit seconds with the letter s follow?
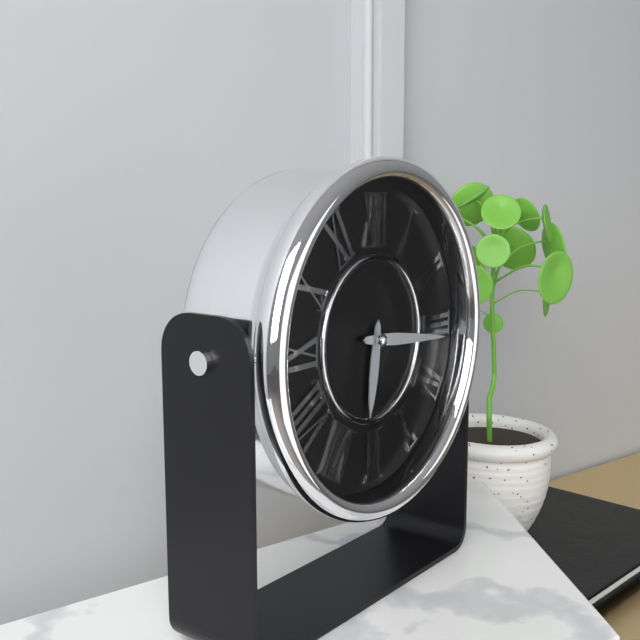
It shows 6h16
